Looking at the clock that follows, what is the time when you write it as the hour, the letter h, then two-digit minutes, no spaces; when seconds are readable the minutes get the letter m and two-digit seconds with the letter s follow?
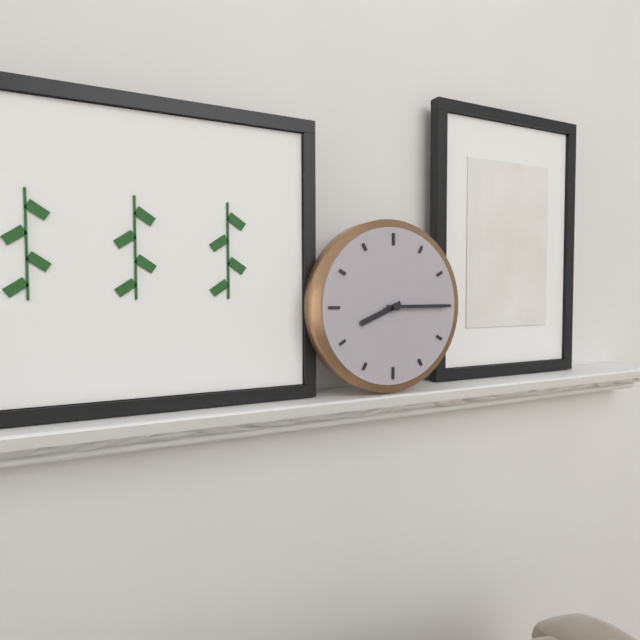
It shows 8h15
